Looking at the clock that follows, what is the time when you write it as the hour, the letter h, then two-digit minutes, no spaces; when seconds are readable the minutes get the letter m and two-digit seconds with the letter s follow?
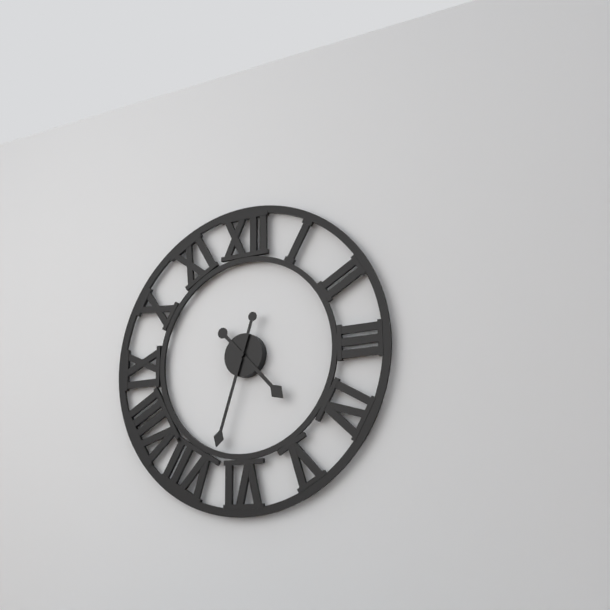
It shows 4h33
